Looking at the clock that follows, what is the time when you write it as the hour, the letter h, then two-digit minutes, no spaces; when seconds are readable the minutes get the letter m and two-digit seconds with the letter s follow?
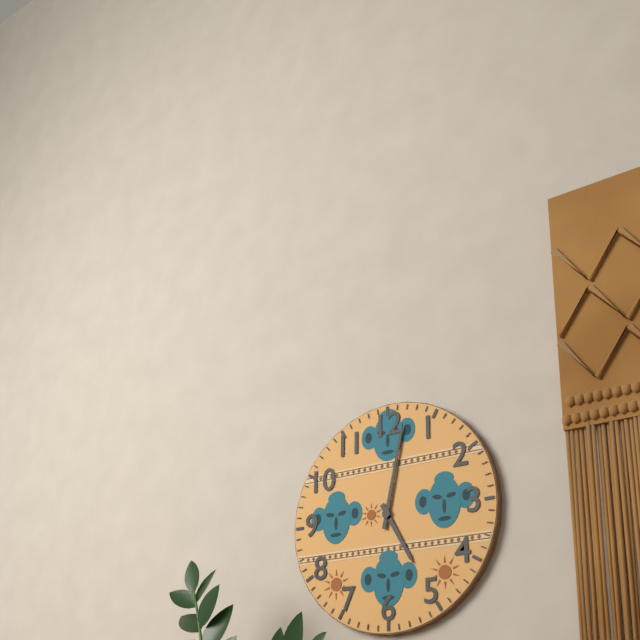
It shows 5h02
